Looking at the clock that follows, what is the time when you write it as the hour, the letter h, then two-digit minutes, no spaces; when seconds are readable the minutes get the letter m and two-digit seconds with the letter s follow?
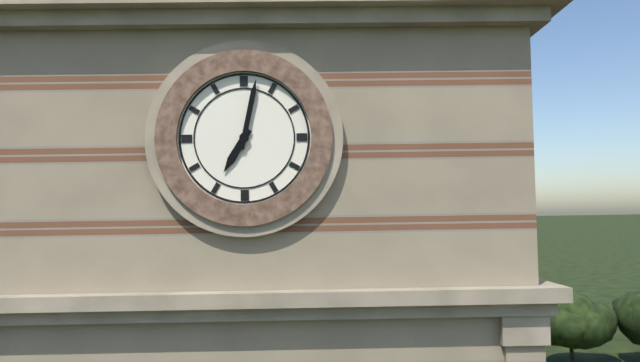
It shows 7h02
